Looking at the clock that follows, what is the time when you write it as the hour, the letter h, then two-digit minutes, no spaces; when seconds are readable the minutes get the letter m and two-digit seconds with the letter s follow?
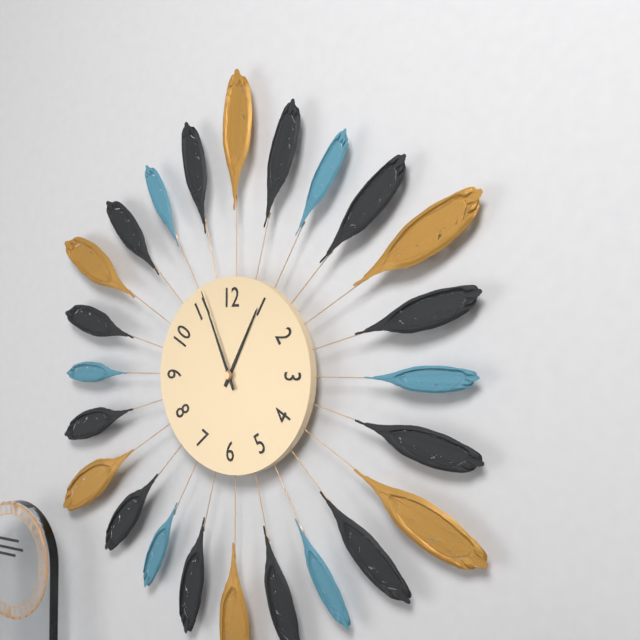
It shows 12h56
